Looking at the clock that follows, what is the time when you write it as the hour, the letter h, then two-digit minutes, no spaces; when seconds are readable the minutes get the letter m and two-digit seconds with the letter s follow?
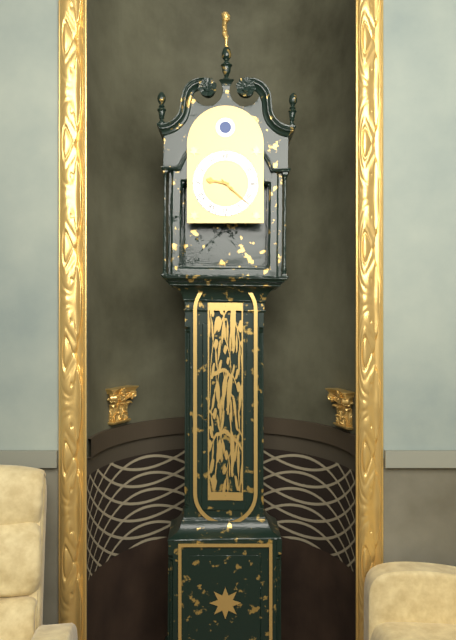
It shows 9h22
